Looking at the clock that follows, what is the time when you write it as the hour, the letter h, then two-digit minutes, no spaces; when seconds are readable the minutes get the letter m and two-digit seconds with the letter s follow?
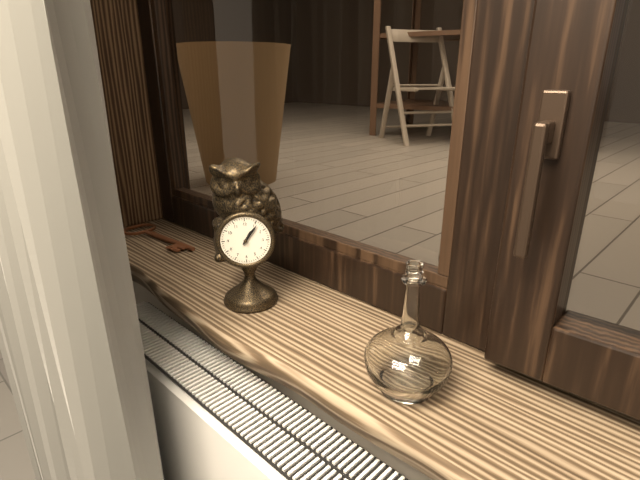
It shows 1h06
